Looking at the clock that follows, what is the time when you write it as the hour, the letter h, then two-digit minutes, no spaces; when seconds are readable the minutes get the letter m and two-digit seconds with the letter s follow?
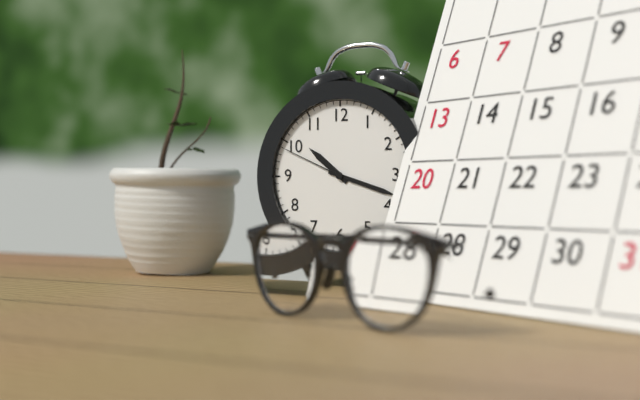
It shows 10h18m49s
